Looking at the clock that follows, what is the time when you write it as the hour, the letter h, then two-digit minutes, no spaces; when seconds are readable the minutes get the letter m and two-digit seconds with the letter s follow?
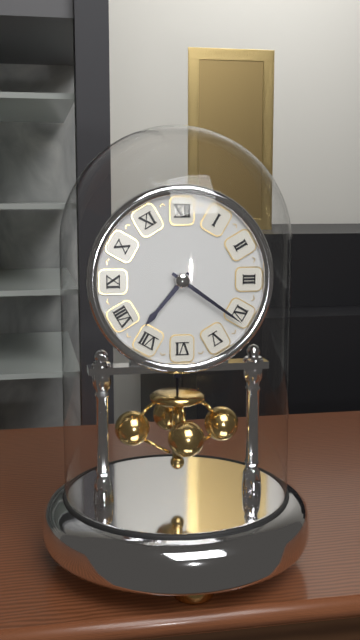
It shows 7h21
